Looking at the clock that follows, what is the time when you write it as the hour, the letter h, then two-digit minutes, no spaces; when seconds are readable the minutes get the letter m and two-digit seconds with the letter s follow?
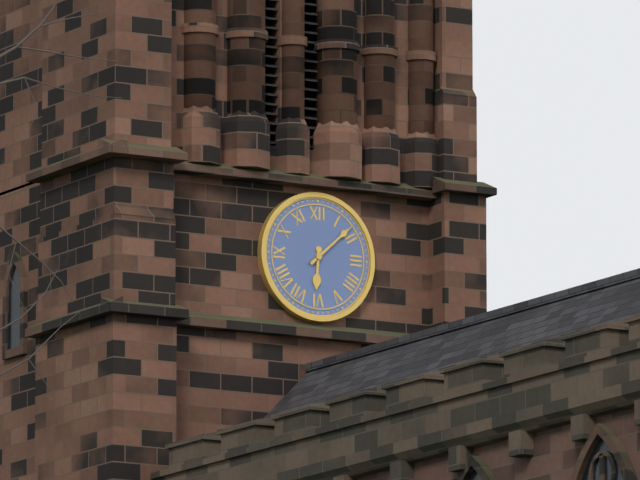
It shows 6h08
